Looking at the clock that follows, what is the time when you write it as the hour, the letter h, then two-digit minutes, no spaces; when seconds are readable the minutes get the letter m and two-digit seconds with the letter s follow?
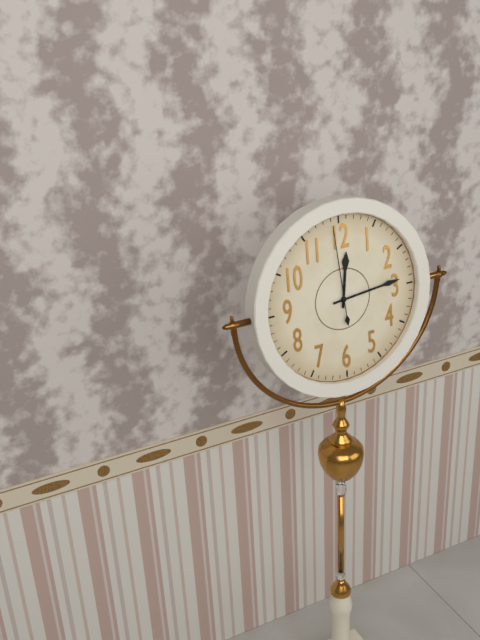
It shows 12h14m59s
